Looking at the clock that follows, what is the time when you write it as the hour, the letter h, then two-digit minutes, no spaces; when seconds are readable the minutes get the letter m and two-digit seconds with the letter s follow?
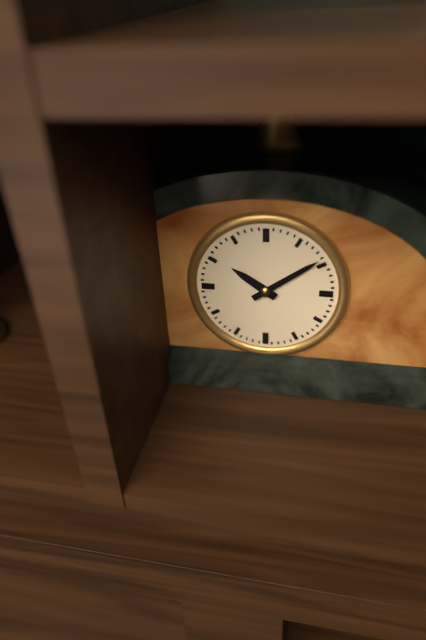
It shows 10h09
